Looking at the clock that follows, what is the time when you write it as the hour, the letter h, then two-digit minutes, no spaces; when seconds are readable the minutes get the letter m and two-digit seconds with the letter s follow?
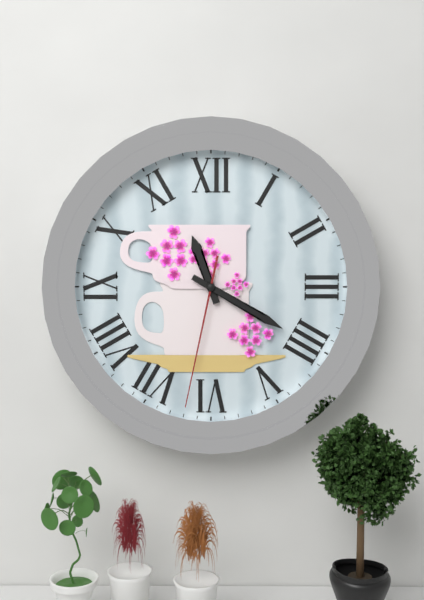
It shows 11h20m32s
